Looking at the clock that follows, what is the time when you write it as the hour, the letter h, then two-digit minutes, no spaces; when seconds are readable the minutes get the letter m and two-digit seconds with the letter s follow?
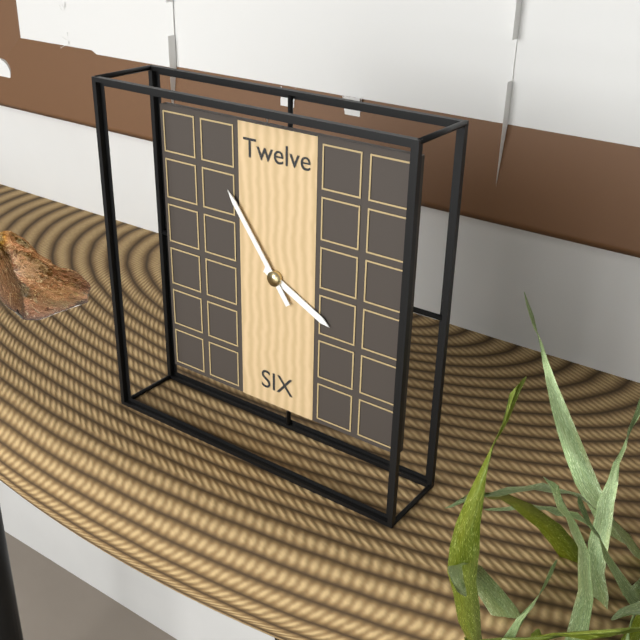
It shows 3h54
